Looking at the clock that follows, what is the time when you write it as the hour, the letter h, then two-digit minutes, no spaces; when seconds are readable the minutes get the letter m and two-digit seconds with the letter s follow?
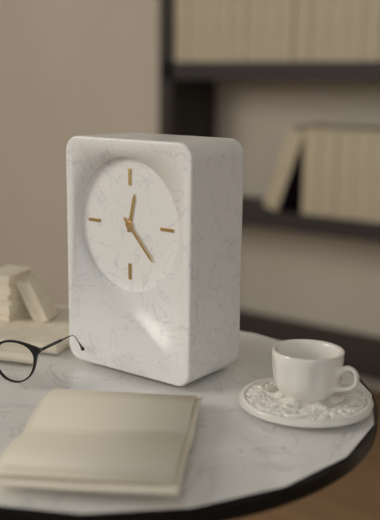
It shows 12h23
